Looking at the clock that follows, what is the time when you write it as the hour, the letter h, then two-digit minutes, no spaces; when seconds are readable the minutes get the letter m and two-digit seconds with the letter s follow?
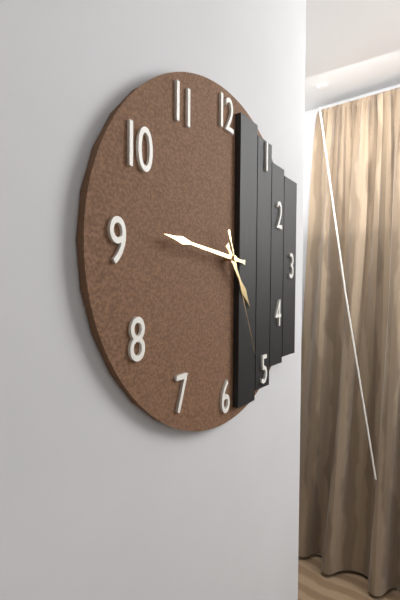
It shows 4h46m26s
